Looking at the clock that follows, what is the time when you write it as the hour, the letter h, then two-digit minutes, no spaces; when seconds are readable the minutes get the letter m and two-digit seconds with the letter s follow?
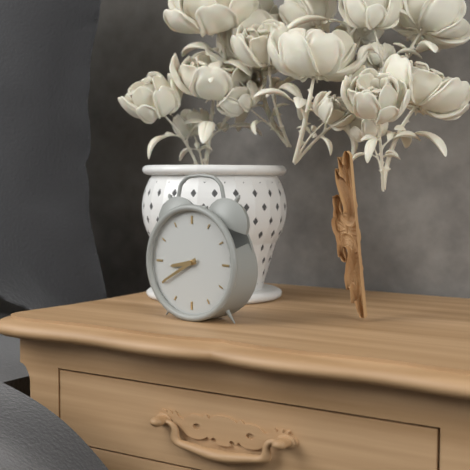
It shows 8h40
